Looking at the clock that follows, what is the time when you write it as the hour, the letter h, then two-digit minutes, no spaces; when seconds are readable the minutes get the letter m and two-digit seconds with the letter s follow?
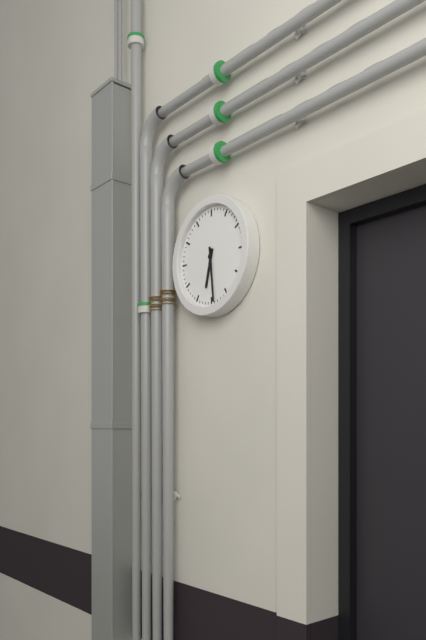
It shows 6h29
